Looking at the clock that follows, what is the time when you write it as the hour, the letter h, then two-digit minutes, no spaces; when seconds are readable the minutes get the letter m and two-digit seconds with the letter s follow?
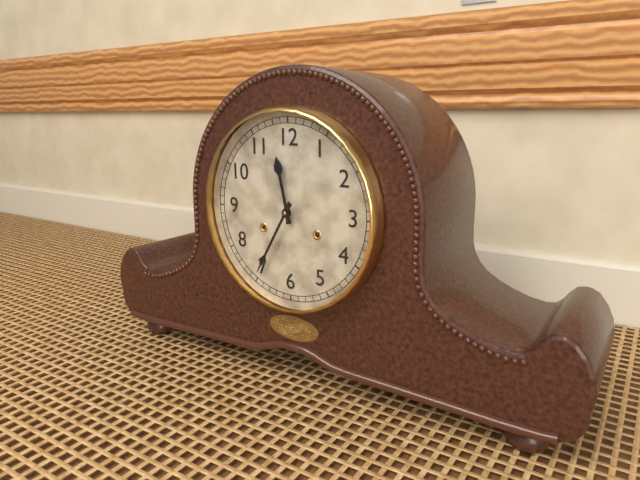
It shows 11h35
